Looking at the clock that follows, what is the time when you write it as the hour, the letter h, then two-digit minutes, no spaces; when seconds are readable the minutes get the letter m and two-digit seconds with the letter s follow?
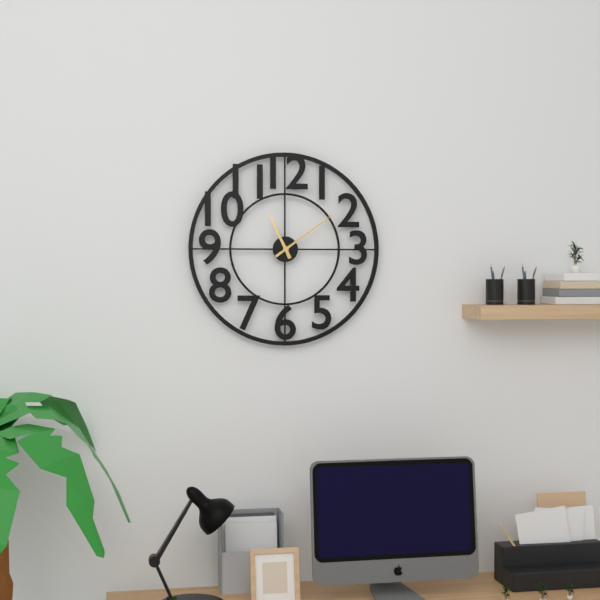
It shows 11h09
